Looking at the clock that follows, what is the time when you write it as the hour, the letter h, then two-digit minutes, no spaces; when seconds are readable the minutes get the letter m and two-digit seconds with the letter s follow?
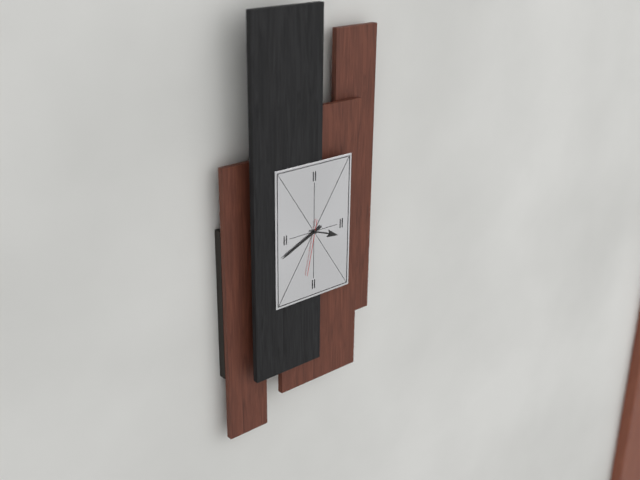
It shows 3h41m32s
